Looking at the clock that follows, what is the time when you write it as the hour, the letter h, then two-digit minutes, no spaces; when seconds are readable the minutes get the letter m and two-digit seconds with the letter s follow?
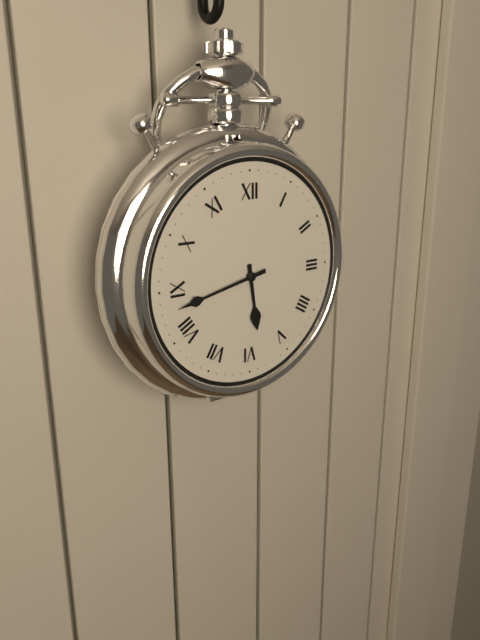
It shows 5h43
